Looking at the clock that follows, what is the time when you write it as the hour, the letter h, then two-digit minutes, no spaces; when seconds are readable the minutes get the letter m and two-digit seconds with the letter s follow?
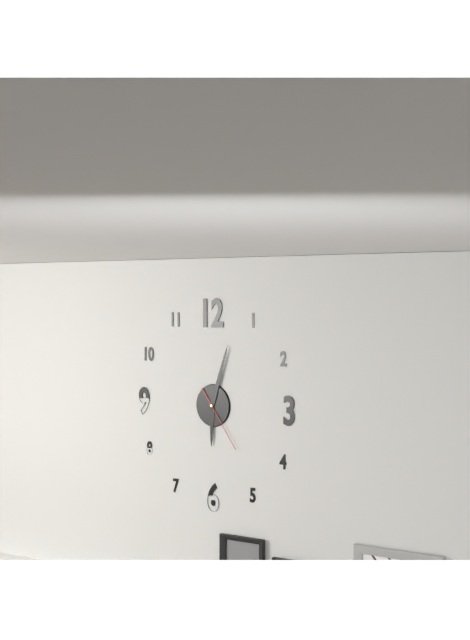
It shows 6h03m24s
